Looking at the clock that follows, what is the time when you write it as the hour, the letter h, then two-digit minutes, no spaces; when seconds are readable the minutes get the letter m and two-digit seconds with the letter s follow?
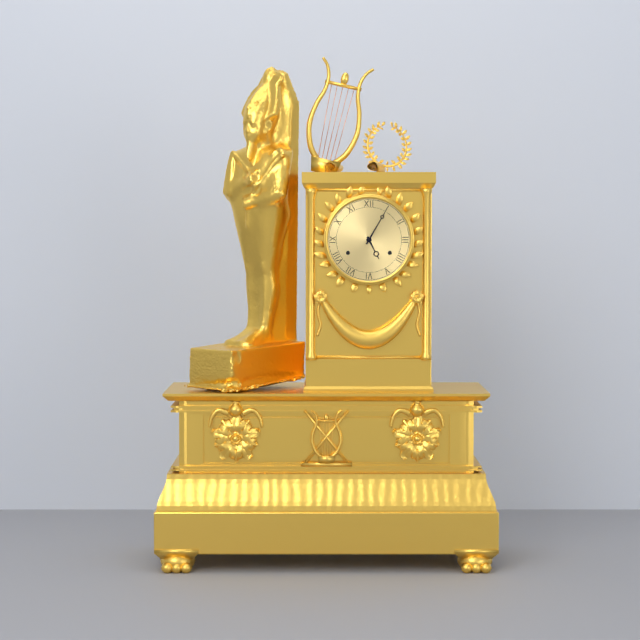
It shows 5h05
